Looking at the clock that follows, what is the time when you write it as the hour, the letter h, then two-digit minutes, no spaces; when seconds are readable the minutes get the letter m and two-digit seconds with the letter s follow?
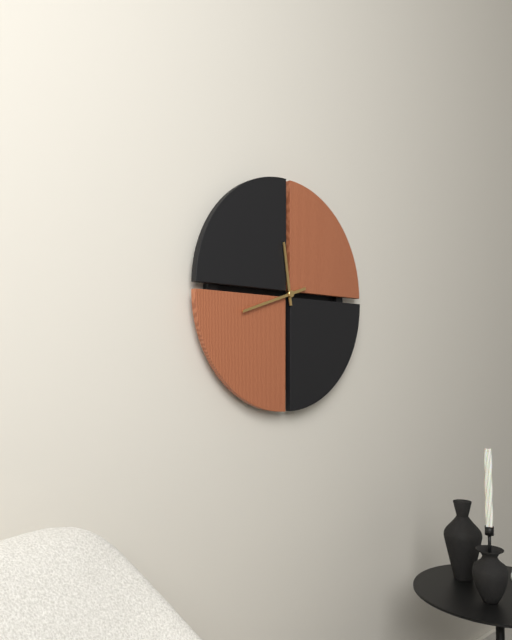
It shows 11h42
